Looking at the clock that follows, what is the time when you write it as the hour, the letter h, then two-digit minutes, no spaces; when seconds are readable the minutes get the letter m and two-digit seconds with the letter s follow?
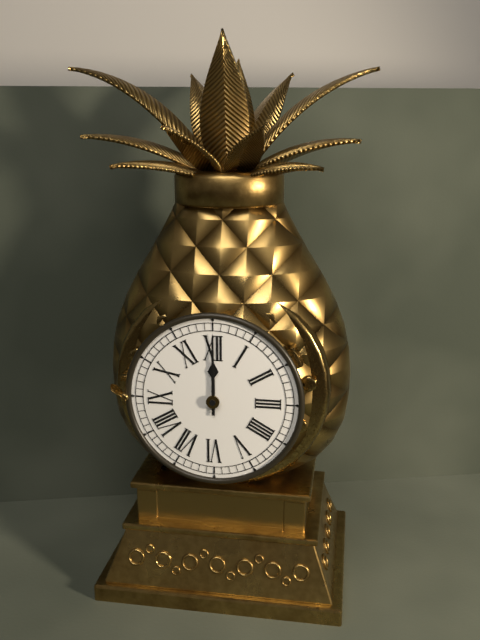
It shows 12h00
